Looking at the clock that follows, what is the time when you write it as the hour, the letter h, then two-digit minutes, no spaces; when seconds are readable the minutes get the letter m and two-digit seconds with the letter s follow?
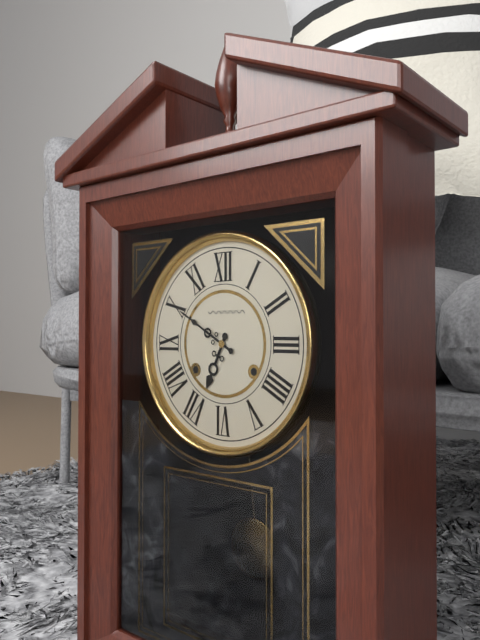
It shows 6h50
